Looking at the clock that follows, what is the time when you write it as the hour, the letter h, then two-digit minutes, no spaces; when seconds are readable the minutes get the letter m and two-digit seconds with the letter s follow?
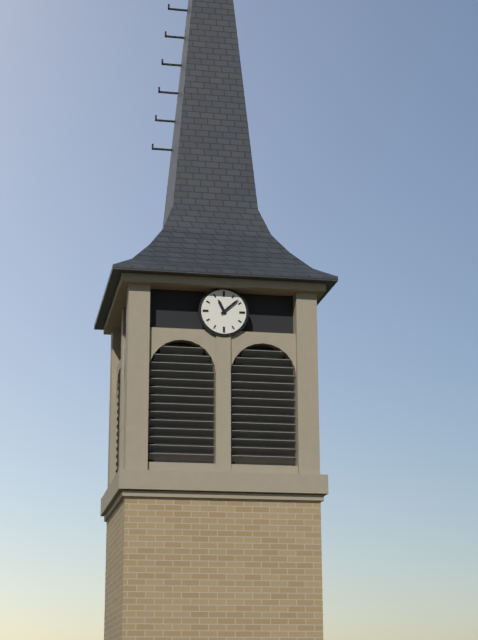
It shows 11h08
